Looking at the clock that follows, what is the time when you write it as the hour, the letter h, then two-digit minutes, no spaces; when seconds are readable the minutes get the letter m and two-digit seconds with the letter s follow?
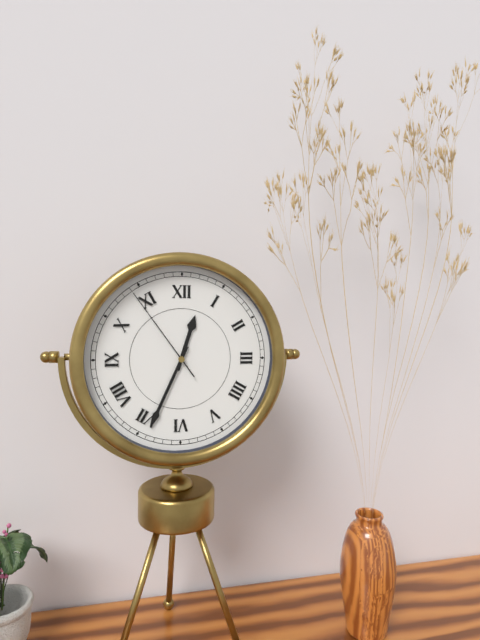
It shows 12h34m54s
